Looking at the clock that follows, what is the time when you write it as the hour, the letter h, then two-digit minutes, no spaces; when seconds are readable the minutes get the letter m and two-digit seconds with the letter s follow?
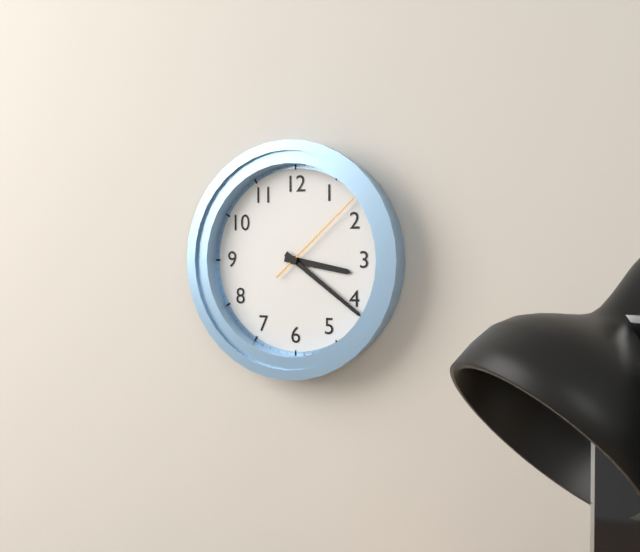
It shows 3h21m08s
